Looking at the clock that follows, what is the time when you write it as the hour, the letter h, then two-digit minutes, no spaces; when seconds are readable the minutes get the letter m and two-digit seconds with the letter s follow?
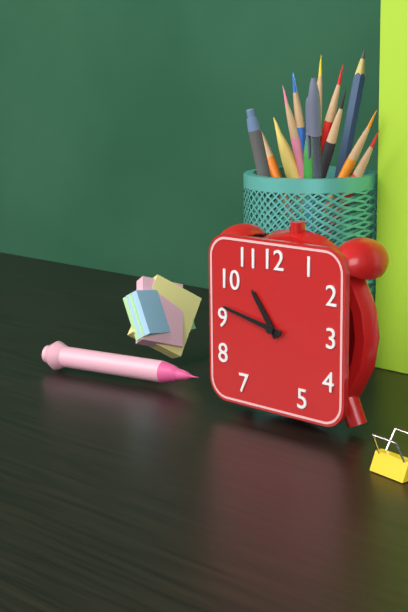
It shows 10h47
